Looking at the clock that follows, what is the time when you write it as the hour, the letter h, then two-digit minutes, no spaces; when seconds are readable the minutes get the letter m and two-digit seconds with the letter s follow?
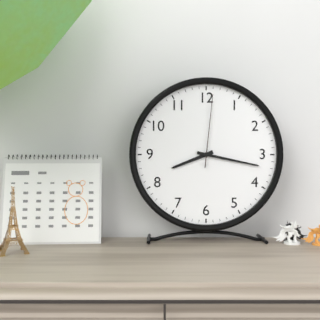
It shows 8h17m01s
